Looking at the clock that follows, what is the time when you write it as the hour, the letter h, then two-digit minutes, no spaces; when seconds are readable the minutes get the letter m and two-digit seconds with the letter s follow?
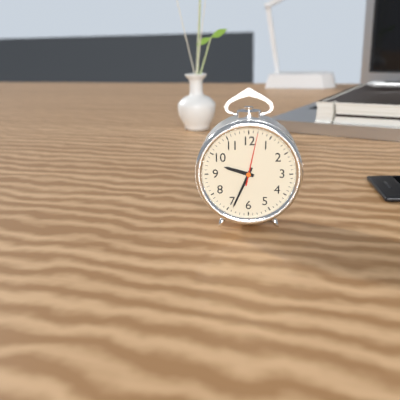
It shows 9h34m02s
